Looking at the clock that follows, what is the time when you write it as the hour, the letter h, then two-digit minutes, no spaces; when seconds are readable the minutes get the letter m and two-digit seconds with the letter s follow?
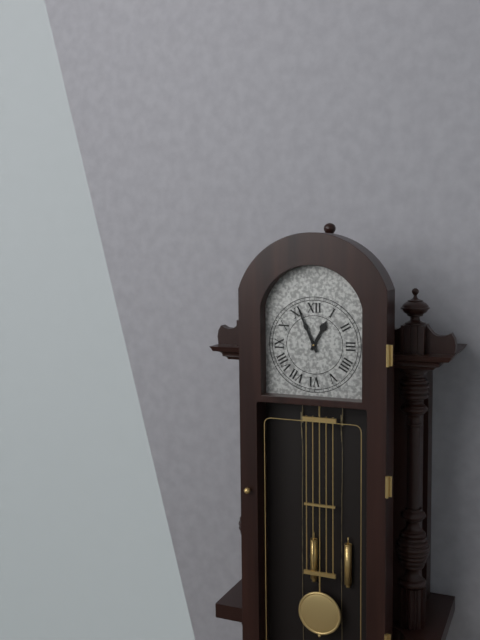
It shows 12h56
